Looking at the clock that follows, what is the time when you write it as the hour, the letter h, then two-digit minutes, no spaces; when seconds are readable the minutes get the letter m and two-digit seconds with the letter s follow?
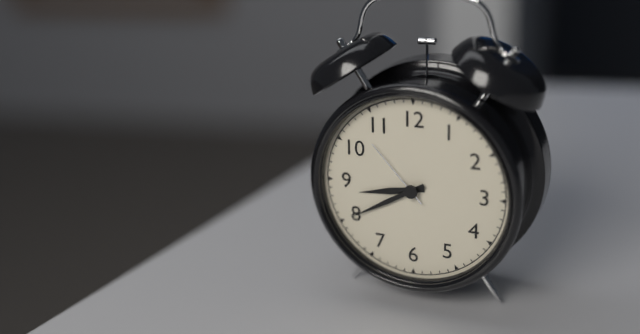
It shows 8h40m53s
